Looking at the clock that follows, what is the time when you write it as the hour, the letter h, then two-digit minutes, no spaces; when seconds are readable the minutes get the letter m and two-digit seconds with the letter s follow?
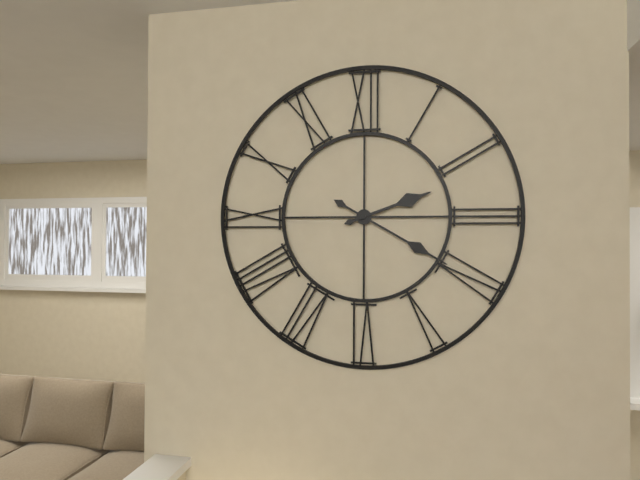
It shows 2h20
